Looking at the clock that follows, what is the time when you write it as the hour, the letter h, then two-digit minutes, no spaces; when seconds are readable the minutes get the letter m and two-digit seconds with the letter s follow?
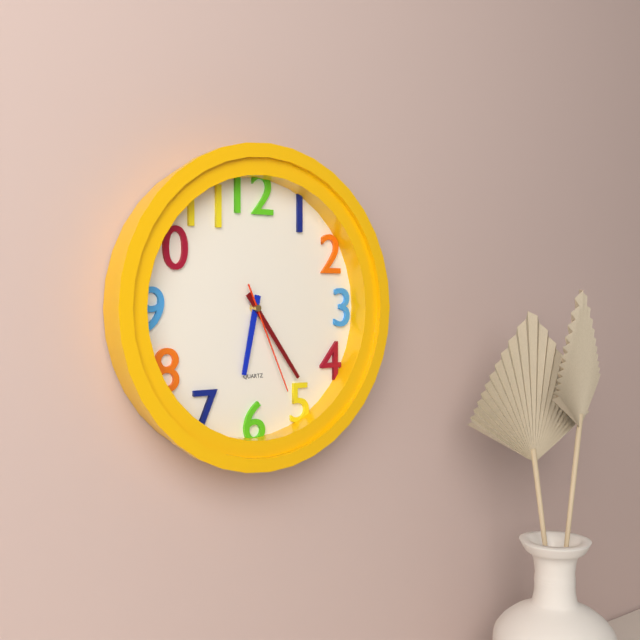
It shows 6h24m26s
